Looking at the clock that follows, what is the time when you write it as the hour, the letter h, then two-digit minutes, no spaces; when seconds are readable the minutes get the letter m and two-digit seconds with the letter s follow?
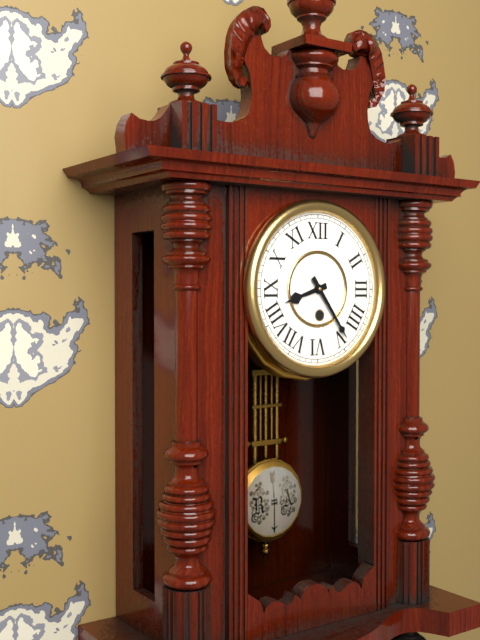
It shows 8h24
